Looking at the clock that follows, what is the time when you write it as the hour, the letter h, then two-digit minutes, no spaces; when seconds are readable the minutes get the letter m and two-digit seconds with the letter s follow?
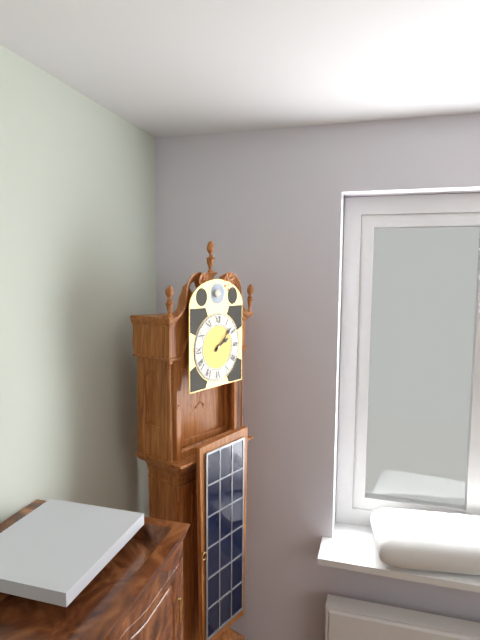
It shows 2h08
